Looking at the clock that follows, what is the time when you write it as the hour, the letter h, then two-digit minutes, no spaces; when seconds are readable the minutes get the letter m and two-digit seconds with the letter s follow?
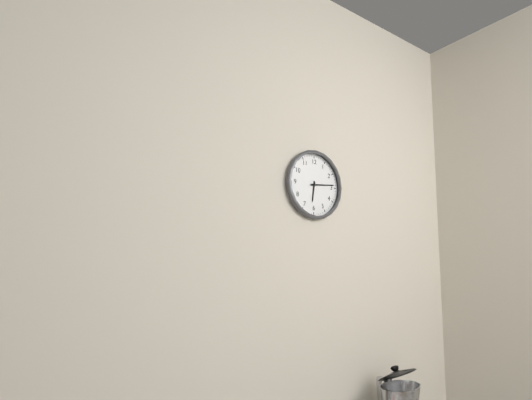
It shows 6h14
